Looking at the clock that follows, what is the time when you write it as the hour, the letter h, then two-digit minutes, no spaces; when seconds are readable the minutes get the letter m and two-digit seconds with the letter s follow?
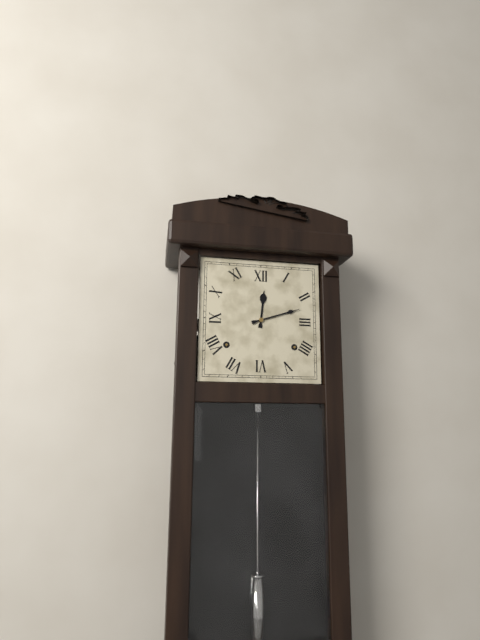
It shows 12h12
